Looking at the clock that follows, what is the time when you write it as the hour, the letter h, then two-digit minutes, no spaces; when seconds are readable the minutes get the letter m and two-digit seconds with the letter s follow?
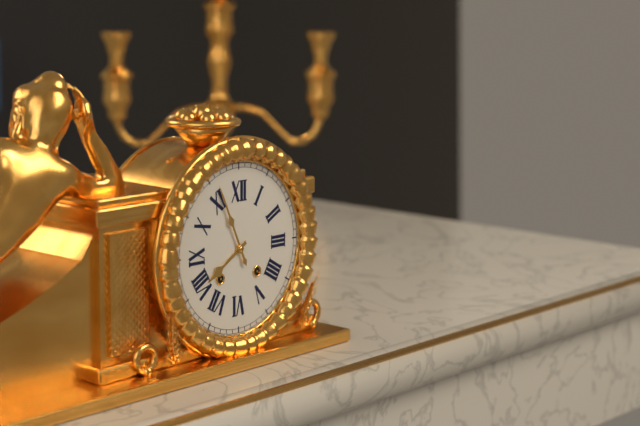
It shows 7h56
